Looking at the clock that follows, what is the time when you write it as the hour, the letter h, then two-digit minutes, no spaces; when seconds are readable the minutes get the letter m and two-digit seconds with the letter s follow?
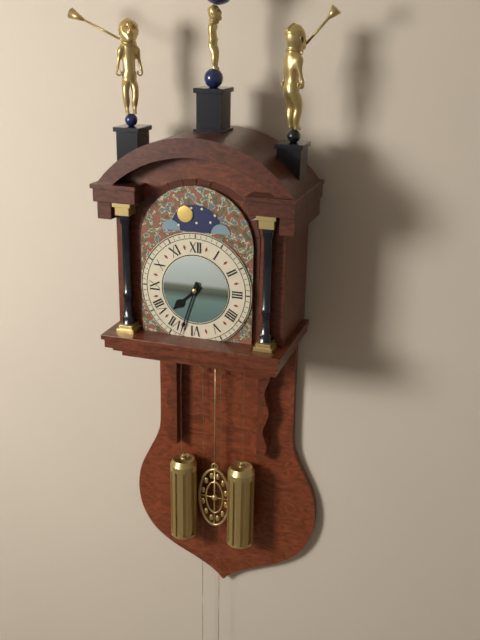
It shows 7h33
